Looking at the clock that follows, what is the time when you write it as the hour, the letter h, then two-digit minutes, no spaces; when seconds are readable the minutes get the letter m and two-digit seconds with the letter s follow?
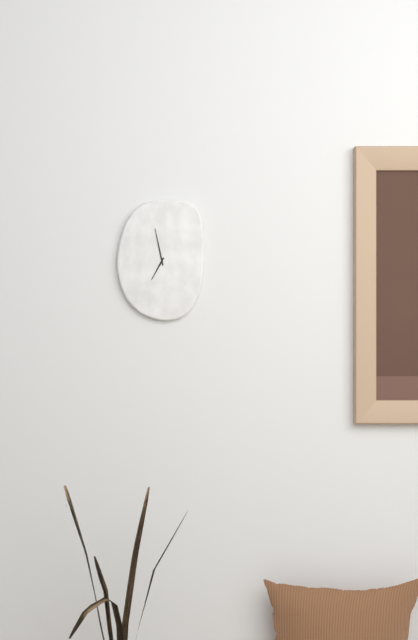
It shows 6h58
